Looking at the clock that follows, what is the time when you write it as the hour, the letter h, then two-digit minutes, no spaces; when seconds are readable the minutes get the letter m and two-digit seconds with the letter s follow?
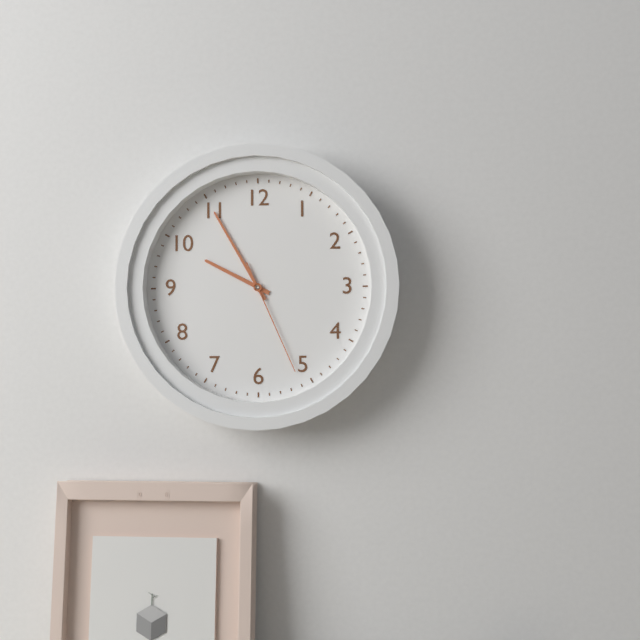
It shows 9h55m26s
